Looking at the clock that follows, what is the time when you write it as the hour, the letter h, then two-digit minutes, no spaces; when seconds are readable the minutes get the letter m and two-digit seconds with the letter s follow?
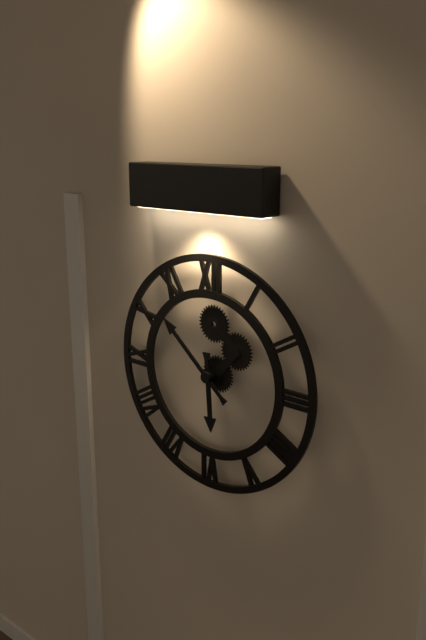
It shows 5h52
